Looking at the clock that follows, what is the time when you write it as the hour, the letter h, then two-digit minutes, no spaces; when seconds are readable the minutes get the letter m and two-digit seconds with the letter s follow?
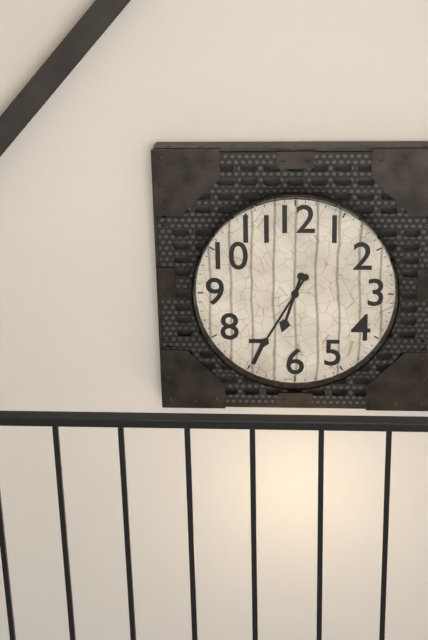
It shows 6h35
